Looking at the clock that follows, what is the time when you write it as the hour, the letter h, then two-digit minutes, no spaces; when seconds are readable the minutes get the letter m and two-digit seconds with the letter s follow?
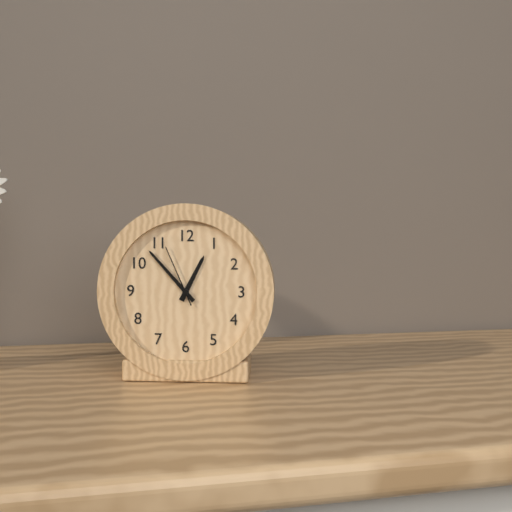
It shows 12h53m56s
